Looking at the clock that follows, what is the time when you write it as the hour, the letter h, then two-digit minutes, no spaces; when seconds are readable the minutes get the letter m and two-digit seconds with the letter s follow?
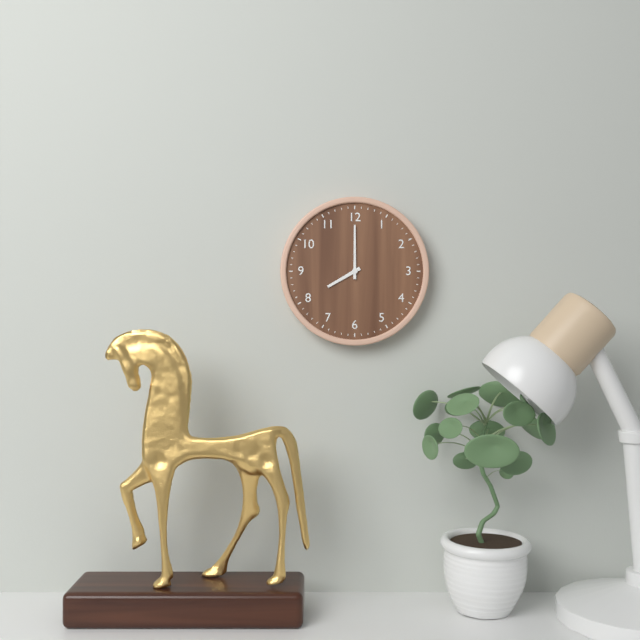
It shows 8h00
